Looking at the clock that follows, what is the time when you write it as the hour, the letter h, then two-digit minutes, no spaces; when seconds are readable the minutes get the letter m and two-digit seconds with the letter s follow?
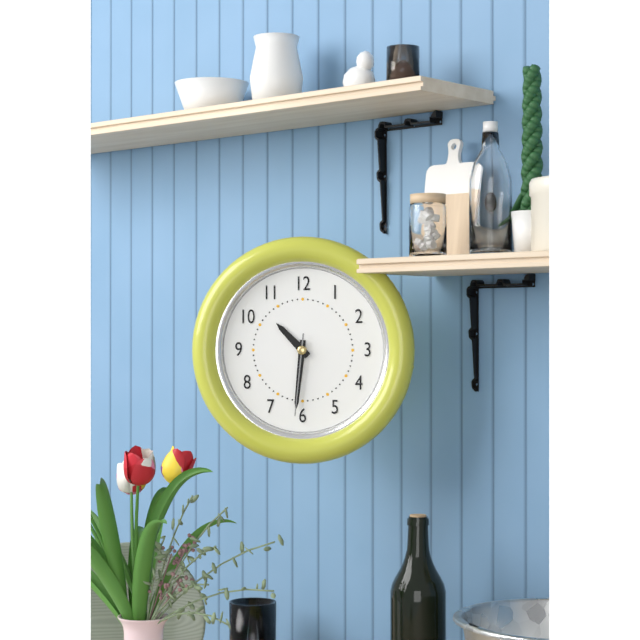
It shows 10h31m31s
